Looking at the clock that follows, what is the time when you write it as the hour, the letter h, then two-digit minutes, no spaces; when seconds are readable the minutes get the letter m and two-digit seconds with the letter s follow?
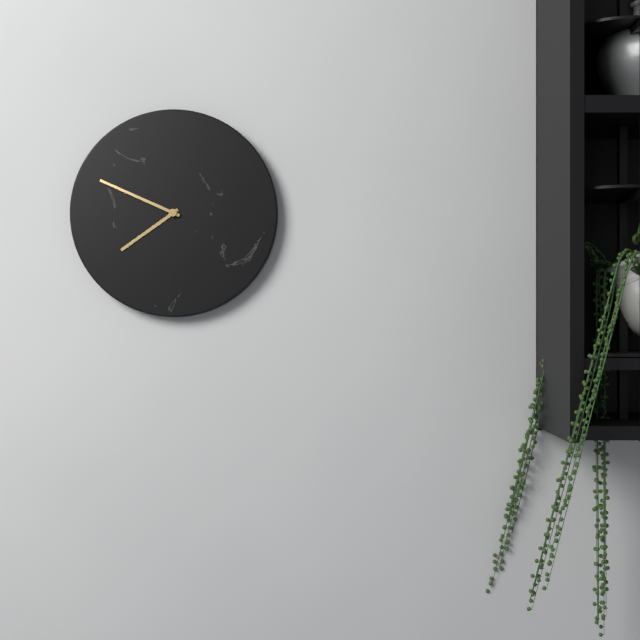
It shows 7h49
